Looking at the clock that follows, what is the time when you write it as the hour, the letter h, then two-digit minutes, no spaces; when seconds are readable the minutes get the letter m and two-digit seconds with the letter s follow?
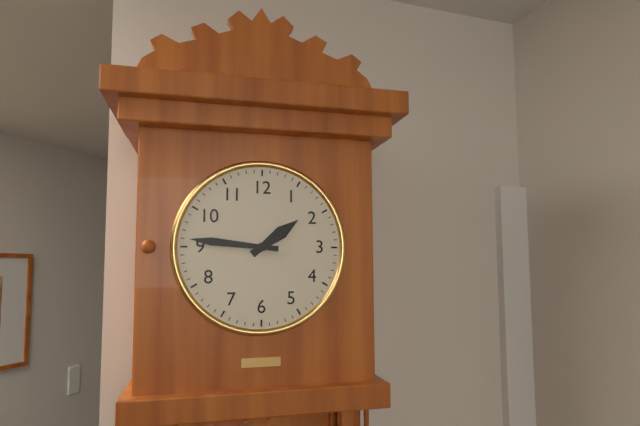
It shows 1h46
